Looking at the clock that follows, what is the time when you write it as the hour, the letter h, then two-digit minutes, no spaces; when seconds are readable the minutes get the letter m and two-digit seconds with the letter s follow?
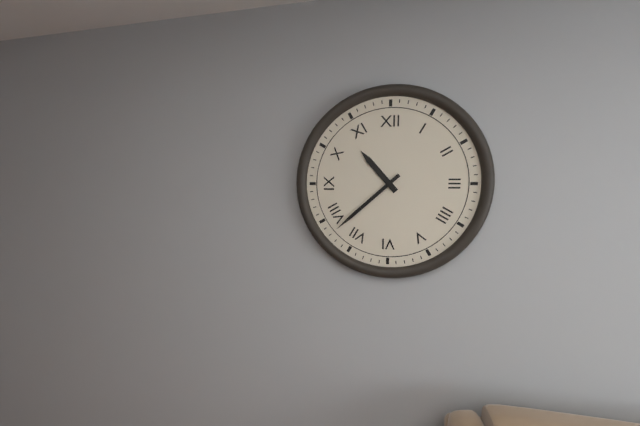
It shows 10h38
